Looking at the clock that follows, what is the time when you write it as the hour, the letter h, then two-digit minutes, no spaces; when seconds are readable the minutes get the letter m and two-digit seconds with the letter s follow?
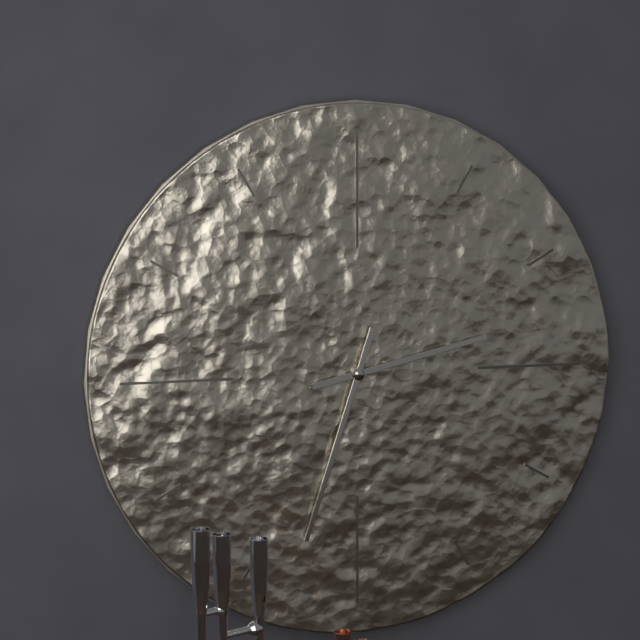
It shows 2h33
